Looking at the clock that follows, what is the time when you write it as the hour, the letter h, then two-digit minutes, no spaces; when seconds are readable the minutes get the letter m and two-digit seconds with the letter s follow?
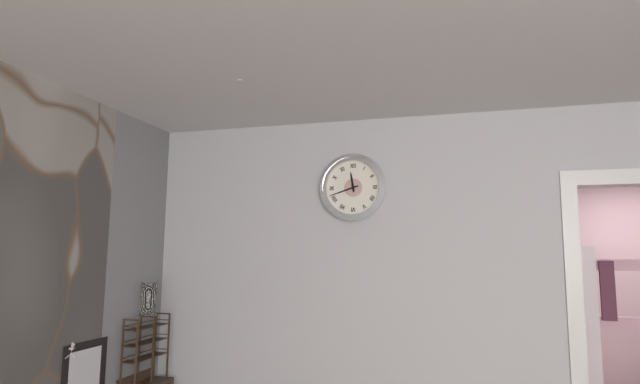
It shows 11h42
